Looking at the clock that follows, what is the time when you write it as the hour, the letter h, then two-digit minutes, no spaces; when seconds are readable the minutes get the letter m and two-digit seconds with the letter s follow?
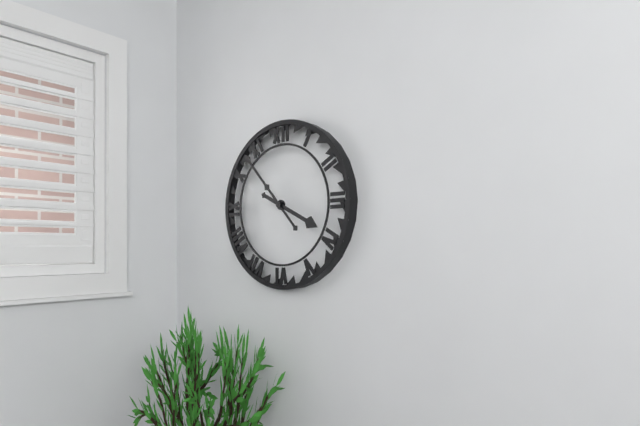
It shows 3h53
